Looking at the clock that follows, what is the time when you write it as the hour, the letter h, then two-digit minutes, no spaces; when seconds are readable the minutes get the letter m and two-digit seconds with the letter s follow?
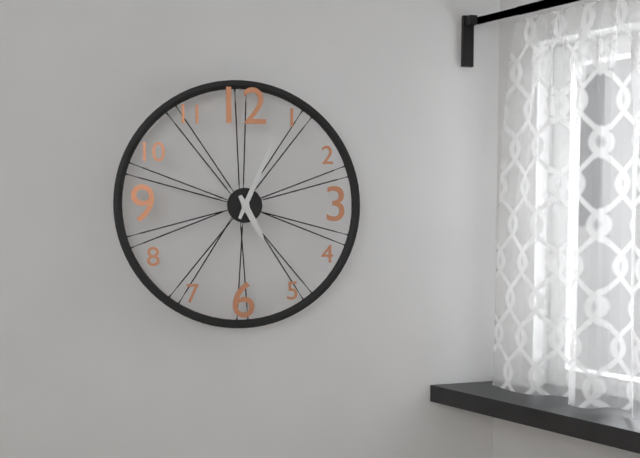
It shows 5h04
